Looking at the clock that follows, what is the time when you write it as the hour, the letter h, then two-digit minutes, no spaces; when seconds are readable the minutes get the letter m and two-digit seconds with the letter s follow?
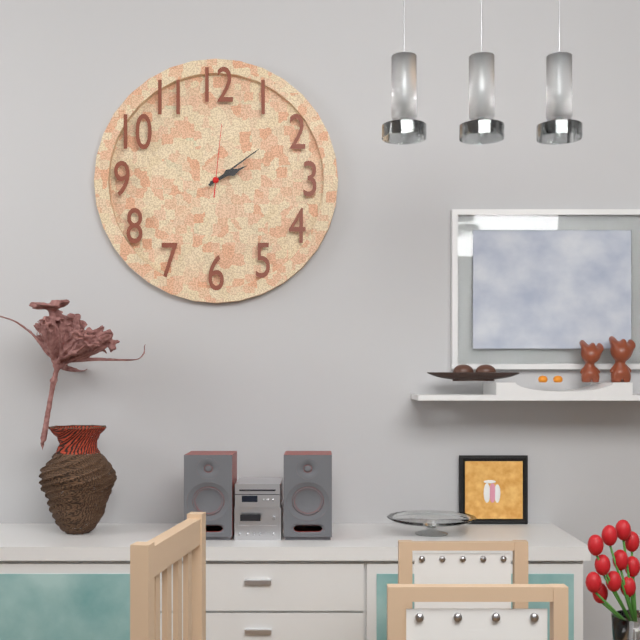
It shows 2h09m01s
